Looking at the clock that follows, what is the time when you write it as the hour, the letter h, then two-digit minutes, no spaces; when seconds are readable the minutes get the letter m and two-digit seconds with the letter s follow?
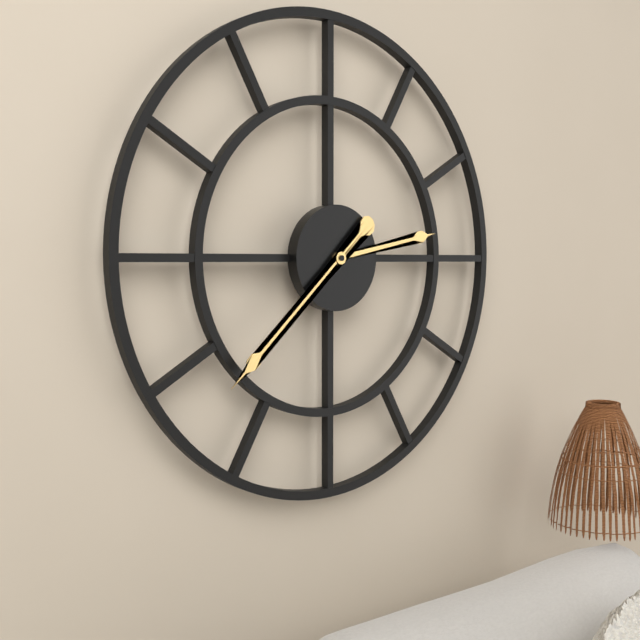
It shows 2h38
